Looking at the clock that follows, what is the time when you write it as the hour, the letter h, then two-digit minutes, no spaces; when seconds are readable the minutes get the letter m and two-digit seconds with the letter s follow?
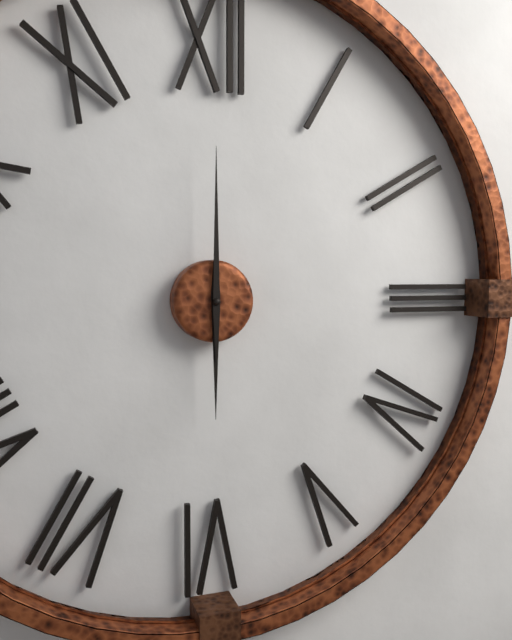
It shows 6h00
